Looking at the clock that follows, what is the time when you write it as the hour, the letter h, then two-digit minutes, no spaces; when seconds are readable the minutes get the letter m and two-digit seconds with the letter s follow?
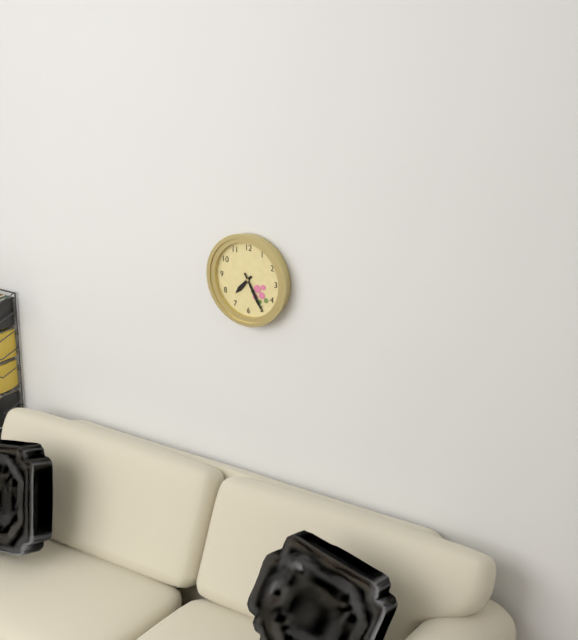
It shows 7h25
